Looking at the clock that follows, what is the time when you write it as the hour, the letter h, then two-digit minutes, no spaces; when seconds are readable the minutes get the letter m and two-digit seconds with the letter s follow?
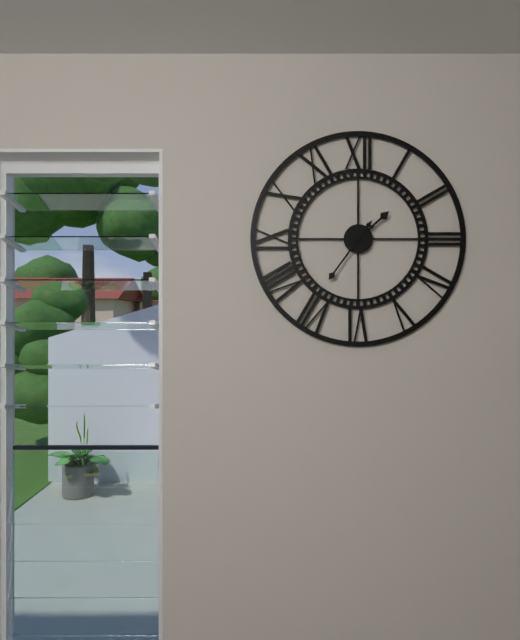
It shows 1h36
